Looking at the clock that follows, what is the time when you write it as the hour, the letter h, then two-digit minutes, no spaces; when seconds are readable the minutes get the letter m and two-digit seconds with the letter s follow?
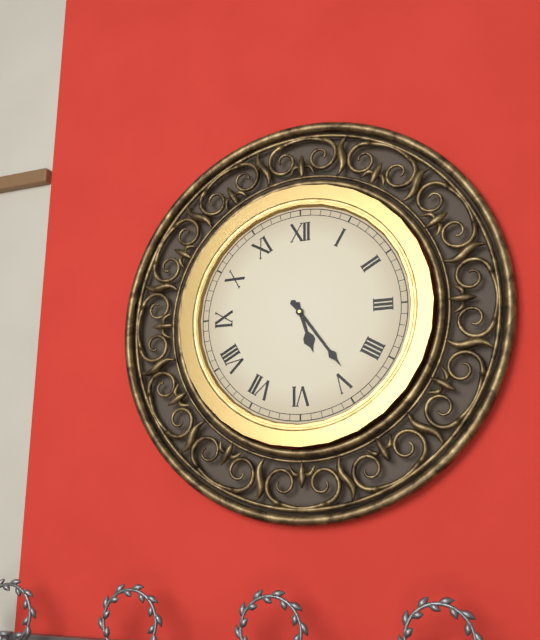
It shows 5h24
